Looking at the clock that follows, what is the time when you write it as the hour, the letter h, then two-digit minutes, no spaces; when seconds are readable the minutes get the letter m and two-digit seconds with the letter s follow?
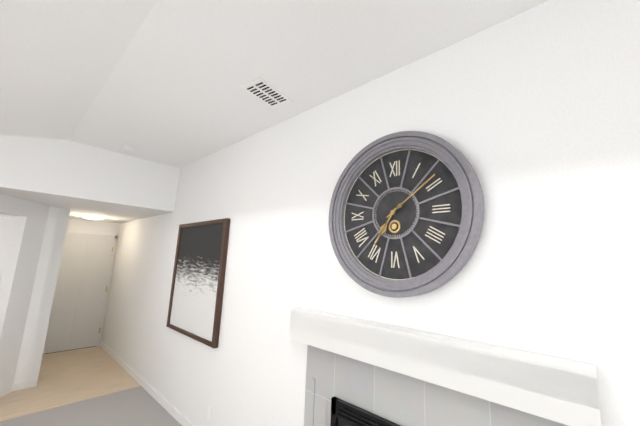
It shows 7h09
